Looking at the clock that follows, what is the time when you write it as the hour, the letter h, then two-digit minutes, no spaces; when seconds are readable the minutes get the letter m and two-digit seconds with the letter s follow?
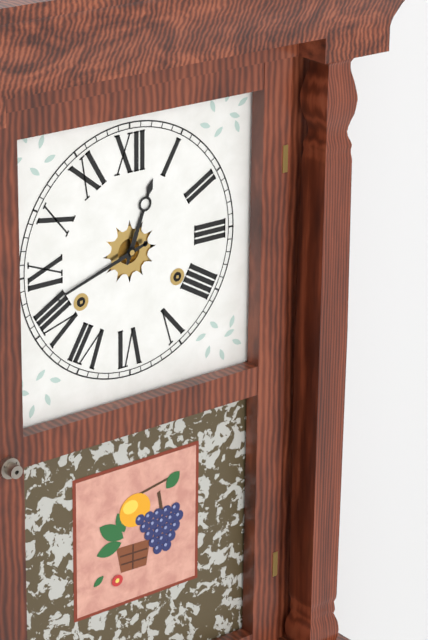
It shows 12h42
